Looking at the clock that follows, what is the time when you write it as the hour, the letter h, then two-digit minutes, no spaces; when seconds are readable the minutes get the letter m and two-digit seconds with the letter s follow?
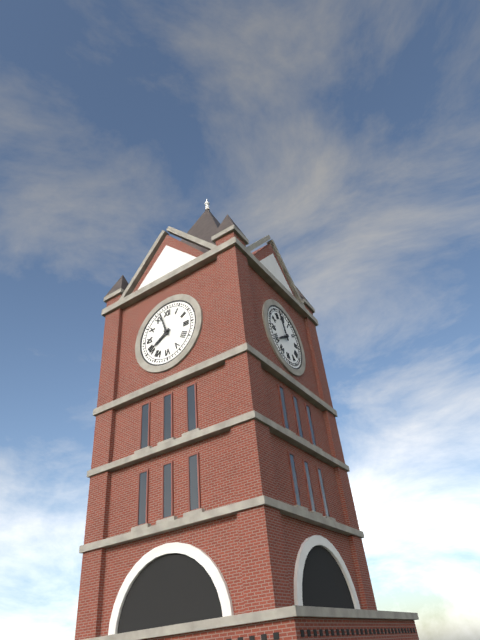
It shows 7h57
